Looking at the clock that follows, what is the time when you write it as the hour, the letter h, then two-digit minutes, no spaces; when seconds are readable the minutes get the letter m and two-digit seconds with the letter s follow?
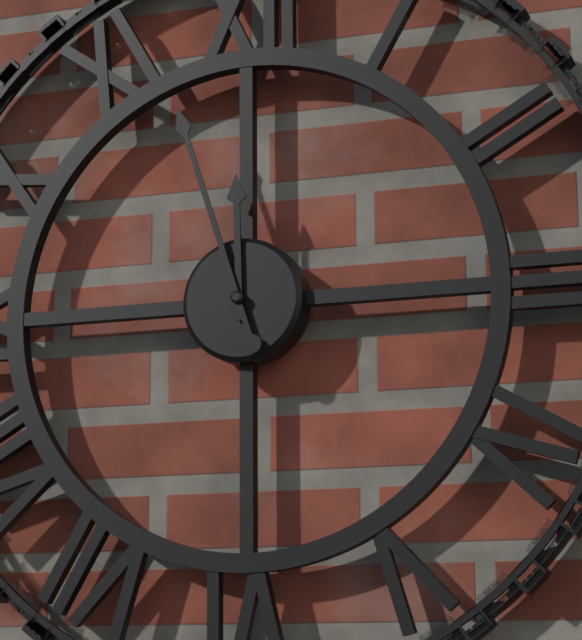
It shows 11h57
